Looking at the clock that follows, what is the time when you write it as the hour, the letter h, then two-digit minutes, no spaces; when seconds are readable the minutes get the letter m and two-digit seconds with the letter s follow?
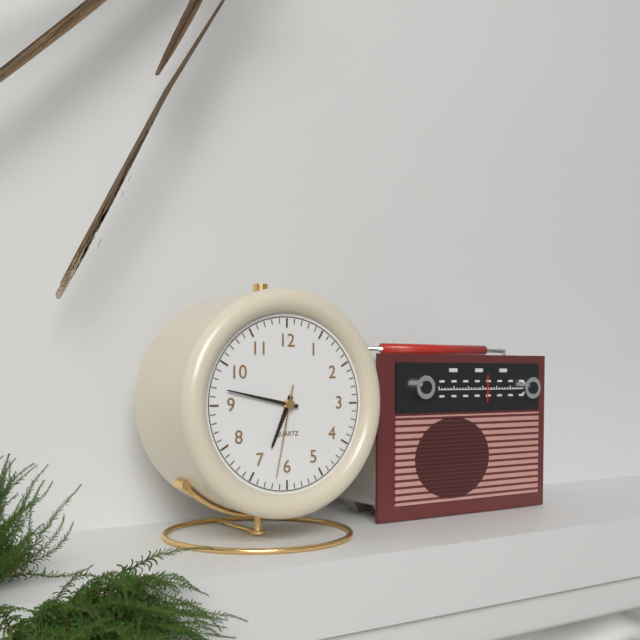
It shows 6h47m32s
